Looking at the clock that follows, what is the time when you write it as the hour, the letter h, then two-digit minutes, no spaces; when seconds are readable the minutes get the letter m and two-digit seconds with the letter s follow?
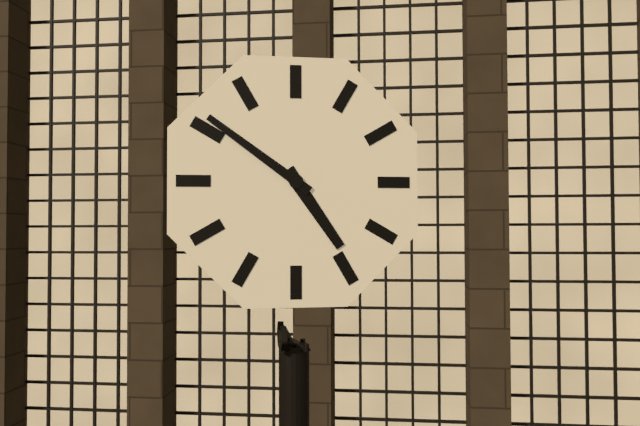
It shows 4h51
